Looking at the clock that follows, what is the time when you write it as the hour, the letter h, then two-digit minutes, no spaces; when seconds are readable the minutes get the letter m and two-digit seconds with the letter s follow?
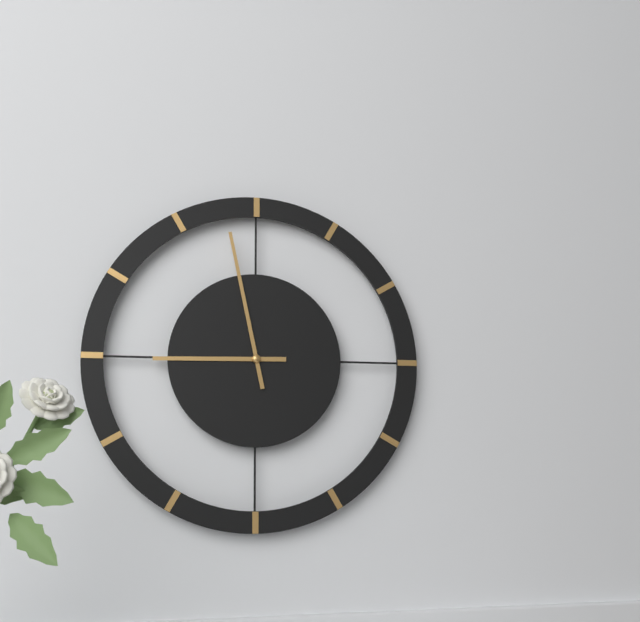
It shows 8h58
